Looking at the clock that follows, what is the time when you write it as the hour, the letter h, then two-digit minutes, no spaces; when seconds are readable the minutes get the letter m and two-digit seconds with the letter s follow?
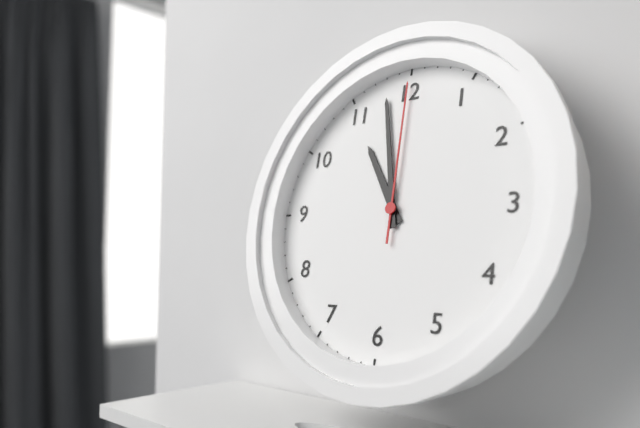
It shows 10h58m00s
